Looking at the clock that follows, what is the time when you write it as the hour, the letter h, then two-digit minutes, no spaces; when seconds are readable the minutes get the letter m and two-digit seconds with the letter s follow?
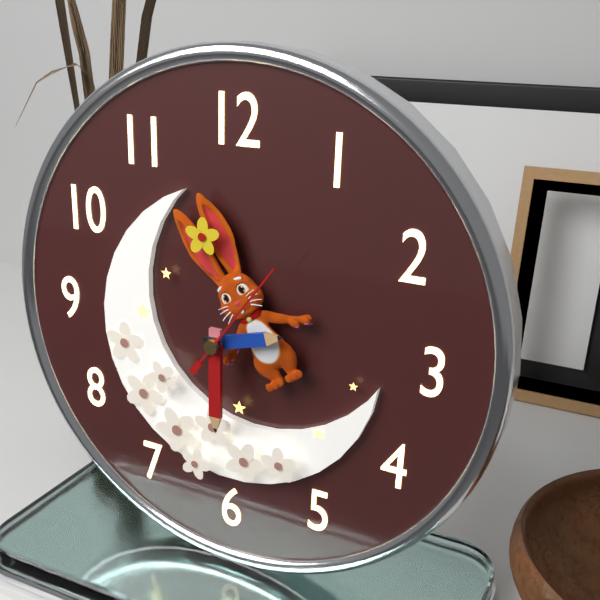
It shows 2h30m06s
